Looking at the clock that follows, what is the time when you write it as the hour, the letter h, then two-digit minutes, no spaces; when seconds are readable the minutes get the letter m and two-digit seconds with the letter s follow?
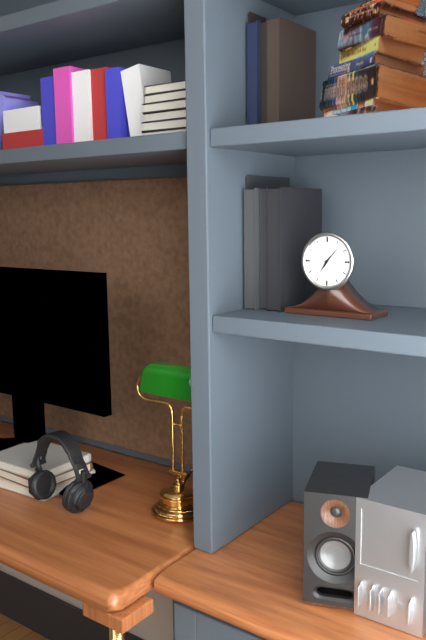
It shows 7h07
